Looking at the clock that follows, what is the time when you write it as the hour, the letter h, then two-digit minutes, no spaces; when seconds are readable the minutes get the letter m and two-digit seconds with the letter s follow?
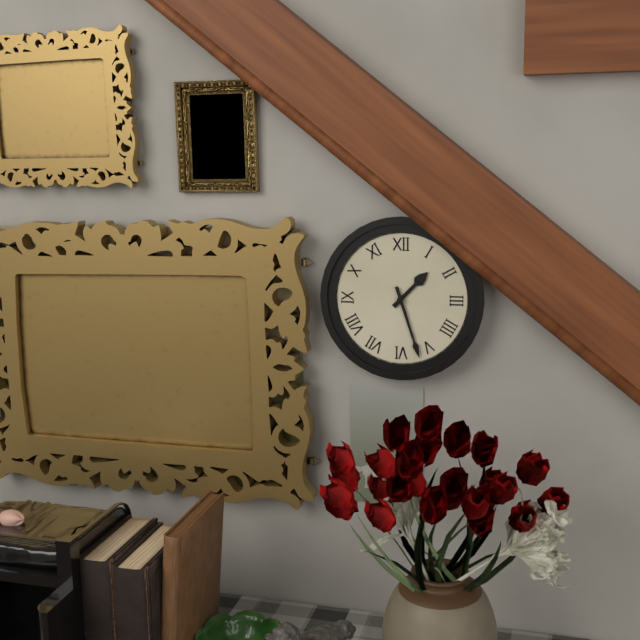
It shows 1h27
